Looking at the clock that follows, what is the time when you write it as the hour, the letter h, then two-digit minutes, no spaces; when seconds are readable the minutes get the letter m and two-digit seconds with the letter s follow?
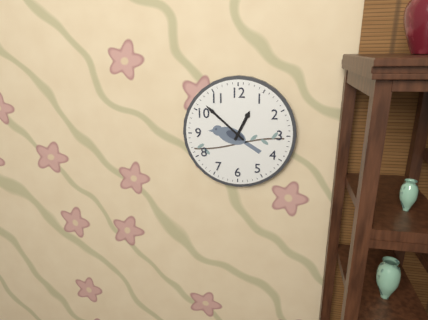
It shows 12h52
